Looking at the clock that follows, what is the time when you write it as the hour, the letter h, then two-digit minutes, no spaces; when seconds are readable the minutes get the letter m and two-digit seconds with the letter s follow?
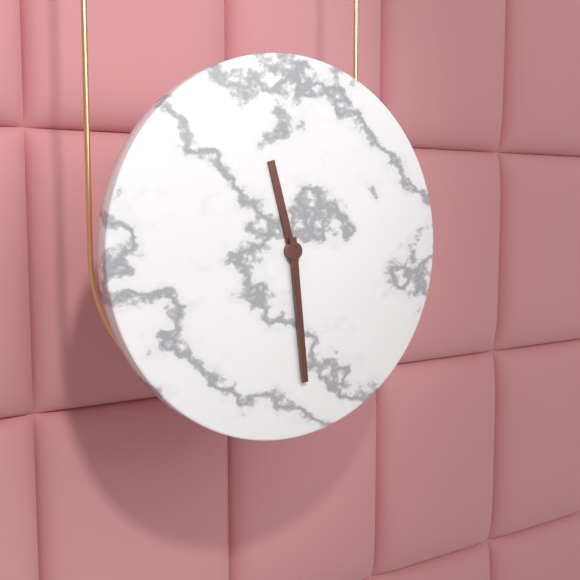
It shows 11h29
